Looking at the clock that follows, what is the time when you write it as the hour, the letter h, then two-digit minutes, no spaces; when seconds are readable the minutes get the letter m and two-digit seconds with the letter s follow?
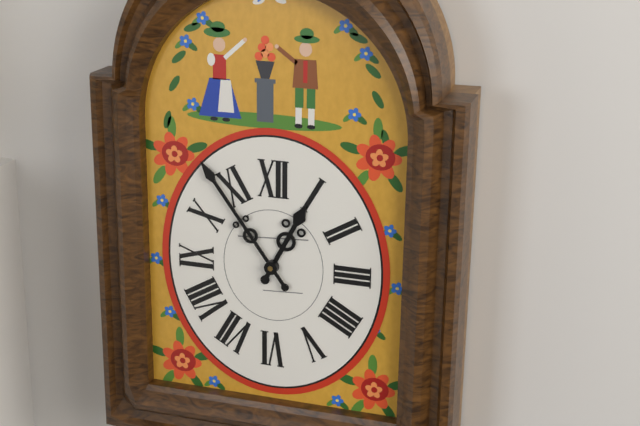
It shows 12h54
